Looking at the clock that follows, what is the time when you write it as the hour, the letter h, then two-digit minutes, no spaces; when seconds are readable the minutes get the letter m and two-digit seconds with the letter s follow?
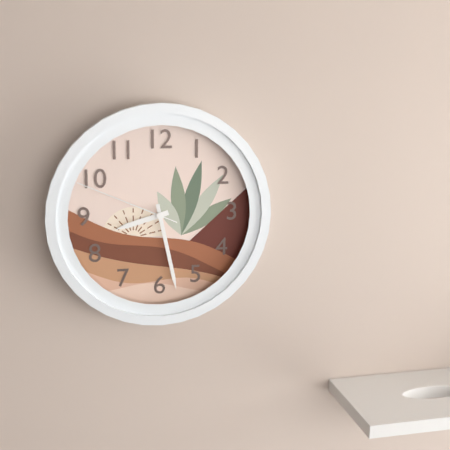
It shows 8h28m49s
